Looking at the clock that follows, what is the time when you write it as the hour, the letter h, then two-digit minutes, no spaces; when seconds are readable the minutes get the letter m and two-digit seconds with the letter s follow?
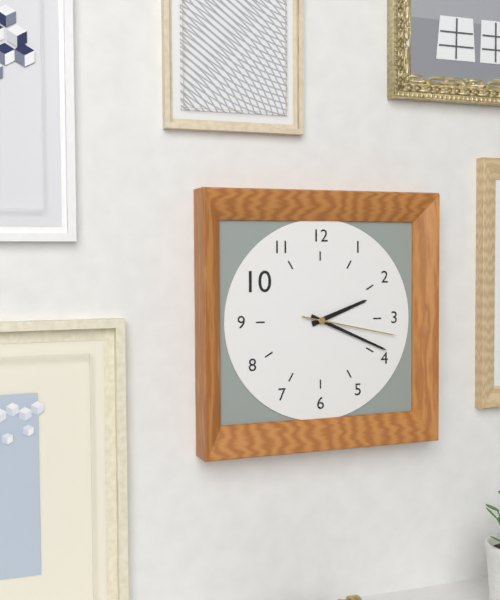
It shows 2h19m17s
